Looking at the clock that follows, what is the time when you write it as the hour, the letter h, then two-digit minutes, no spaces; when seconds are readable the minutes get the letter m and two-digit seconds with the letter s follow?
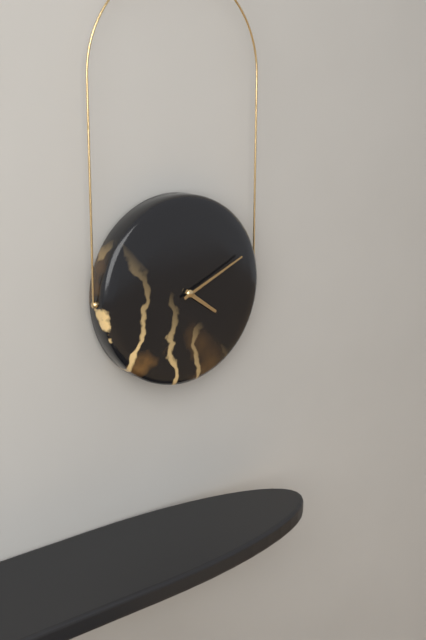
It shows 4h11
